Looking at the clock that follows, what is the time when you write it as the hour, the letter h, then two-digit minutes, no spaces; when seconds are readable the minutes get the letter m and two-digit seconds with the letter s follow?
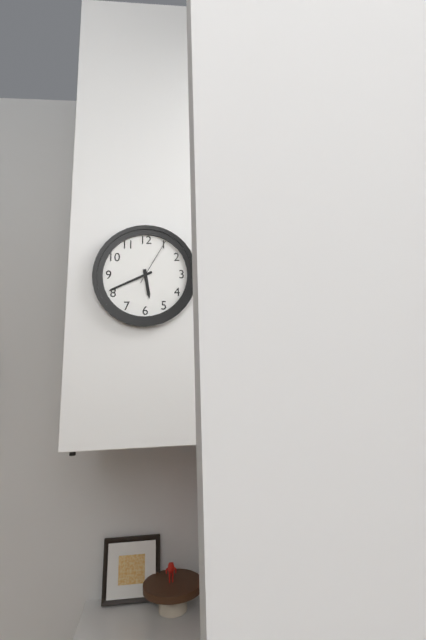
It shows 5h41m05s
